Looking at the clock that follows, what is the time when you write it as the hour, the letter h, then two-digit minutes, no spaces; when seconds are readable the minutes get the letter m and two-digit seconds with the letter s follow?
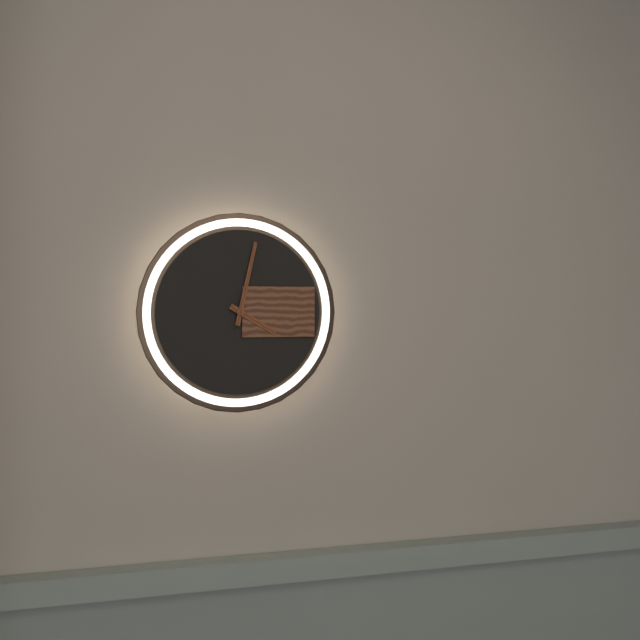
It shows 4h02
